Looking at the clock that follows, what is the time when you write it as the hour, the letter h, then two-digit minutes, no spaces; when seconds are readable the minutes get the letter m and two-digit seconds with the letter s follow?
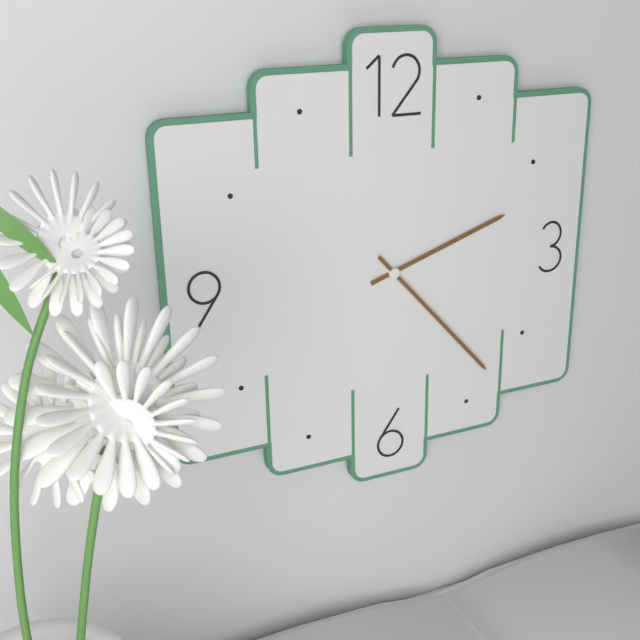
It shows 2h23
